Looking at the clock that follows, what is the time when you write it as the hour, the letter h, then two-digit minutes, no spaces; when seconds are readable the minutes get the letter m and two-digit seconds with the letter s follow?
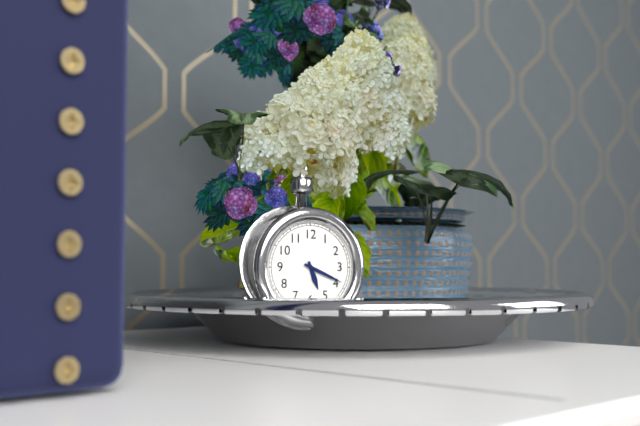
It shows 5h19
